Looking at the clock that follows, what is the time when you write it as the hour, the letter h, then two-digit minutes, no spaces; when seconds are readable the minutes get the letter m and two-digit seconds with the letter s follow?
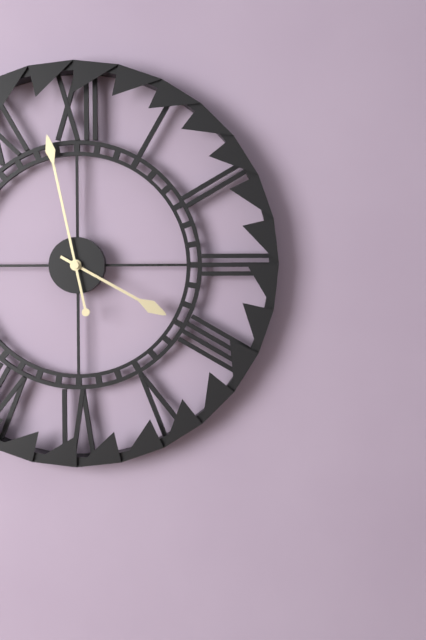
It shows 3h58
